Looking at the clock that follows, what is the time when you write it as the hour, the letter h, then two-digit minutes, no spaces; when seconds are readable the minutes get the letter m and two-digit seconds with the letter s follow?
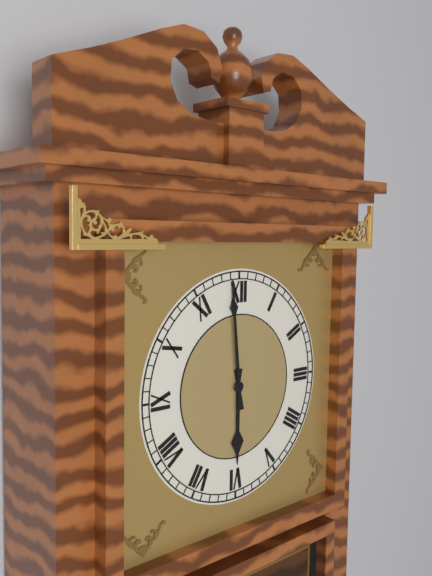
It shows 5h59
